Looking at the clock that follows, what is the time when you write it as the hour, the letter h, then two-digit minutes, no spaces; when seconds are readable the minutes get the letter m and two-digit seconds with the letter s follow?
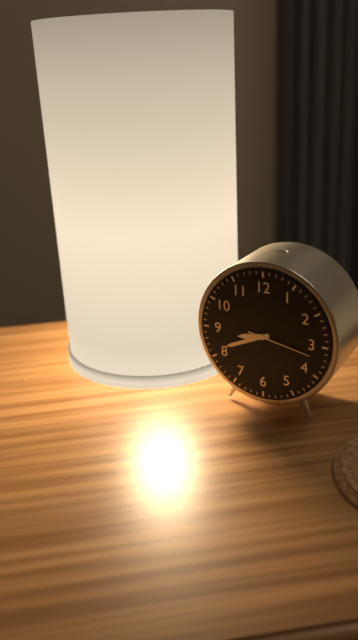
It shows 8h41m17s
